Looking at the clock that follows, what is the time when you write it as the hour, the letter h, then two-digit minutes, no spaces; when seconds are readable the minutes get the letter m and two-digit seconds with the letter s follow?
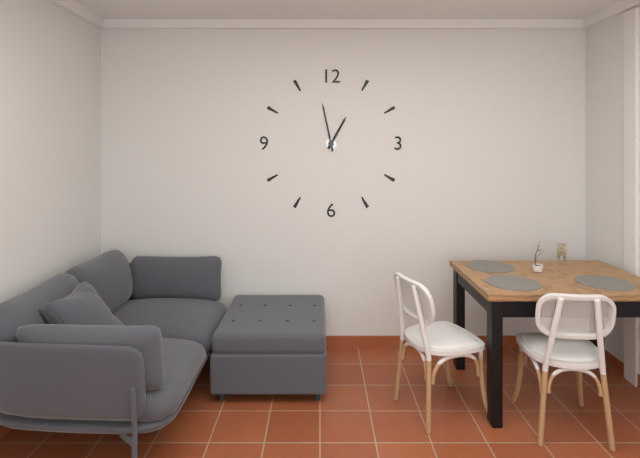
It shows 12h58
